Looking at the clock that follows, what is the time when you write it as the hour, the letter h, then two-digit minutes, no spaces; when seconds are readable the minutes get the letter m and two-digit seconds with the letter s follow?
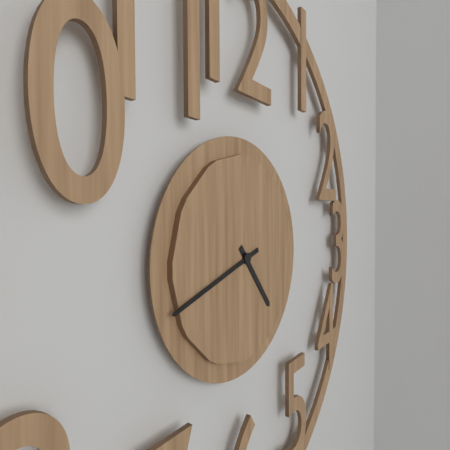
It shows 4h42
